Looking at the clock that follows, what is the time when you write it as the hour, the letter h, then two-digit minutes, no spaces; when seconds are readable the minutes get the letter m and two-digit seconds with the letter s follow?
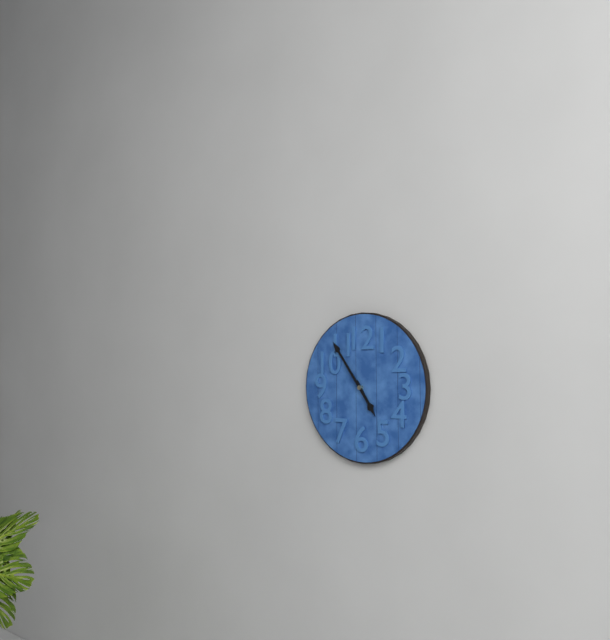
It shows 4h54
